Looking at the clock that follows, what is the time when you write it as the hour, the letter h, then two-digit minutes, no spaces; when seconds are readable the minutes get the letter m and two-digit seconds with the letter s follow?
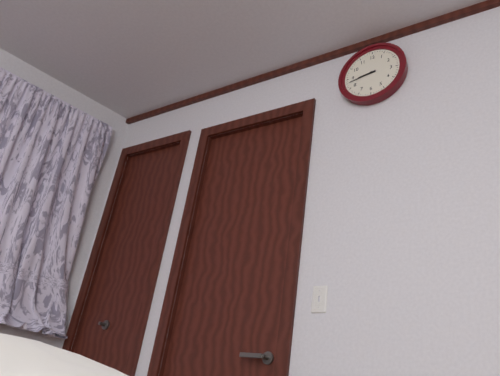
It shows 8h43
